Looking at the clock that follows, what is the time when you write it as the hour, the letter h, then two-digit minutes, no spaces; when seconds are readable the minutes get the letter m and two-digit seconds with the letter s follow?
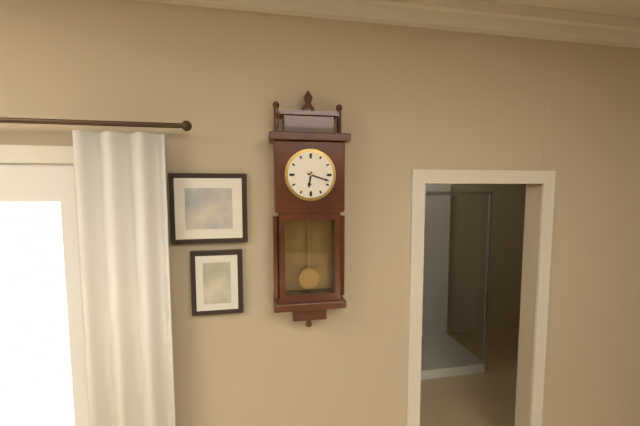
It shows 6h18
